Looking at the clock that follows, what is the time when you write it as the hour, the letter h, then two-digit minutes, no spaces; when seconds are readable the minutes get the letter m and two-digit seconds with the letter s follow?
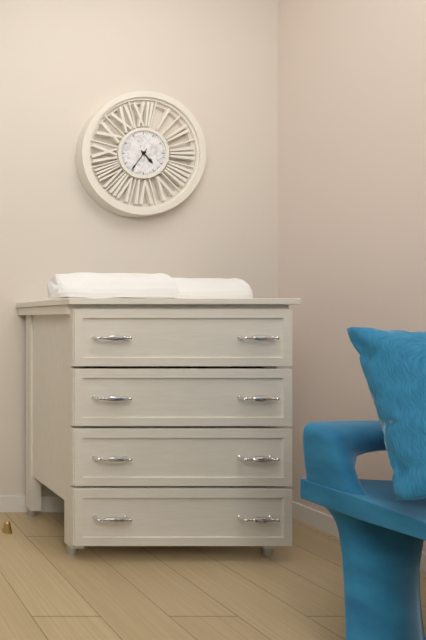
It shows 4h36
